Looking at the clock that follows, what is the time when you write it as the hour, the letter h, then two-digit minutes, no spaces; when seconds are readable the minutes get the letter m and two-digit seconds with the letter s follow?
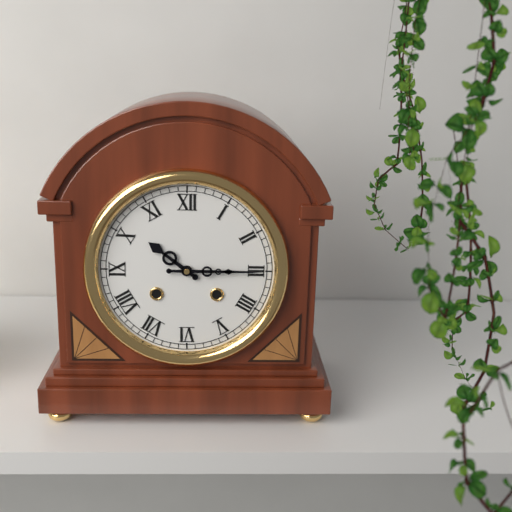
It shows 10h15
